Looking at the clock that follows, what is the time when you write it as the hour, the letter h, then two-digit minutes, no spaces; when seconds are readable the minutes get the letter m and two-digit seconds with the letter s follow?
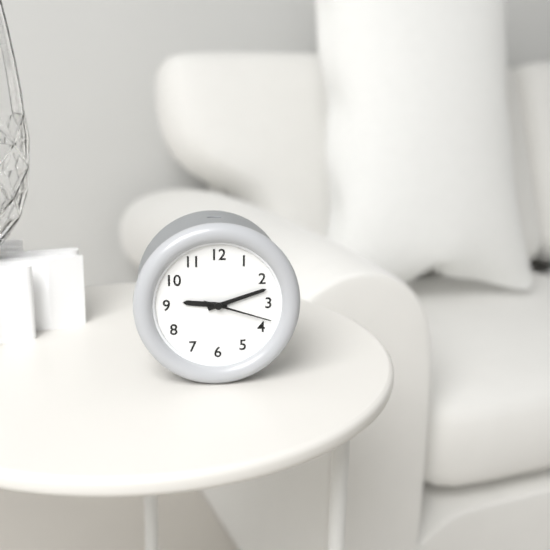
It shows 9h12m18s
